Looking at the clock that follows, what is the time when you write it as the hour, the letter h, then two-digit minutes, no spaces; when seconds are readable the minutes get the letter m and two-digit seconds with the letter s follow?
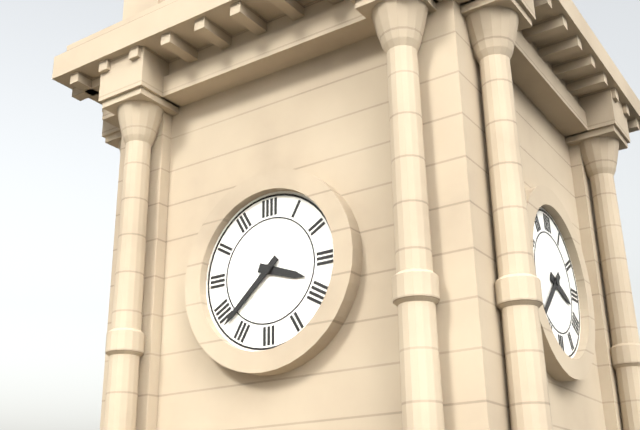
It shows 3h38
